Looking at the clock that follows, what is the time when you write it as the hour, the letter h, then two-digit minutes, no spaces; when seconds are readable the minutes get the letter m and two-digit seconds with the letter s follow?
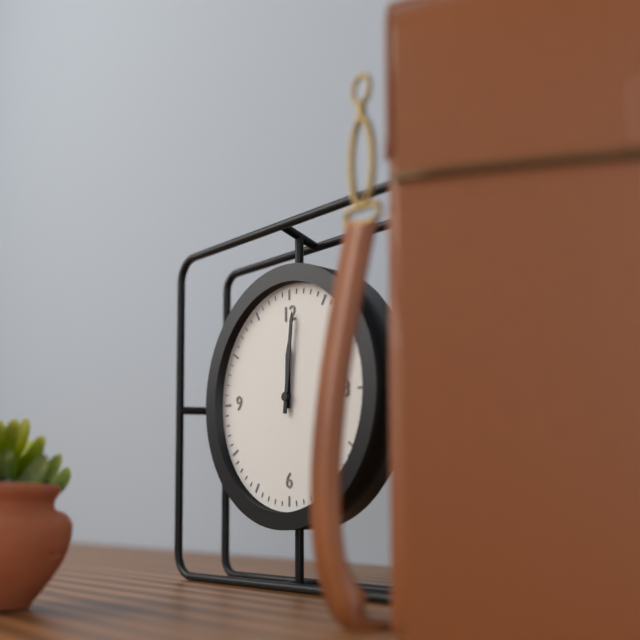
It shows 12h01
